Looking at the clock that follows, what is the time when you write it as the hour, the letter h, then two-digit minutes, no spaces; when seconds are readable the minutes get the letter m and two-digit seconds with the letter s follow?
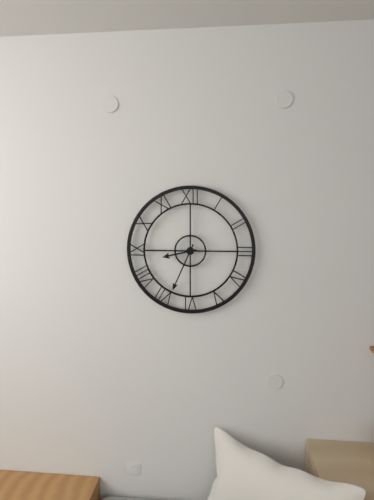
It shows 8h34
